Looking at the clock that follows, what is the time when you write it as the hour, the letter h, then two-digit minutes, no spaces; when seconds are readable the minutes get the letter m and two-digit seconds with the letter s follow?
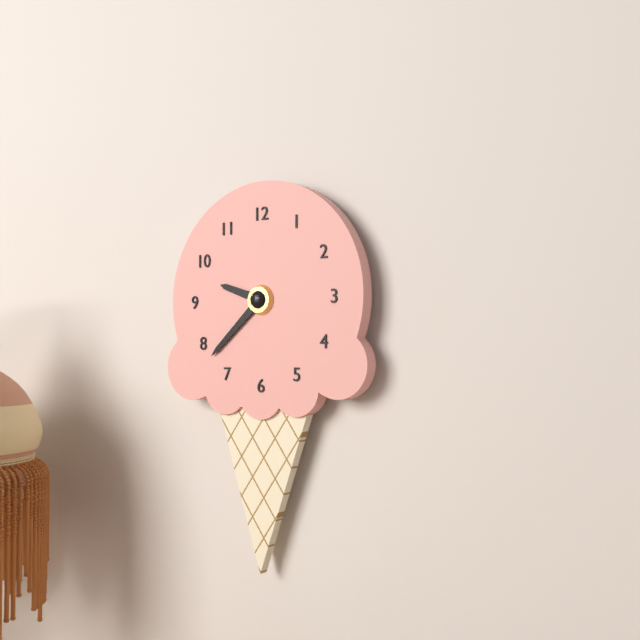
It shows 9h38
